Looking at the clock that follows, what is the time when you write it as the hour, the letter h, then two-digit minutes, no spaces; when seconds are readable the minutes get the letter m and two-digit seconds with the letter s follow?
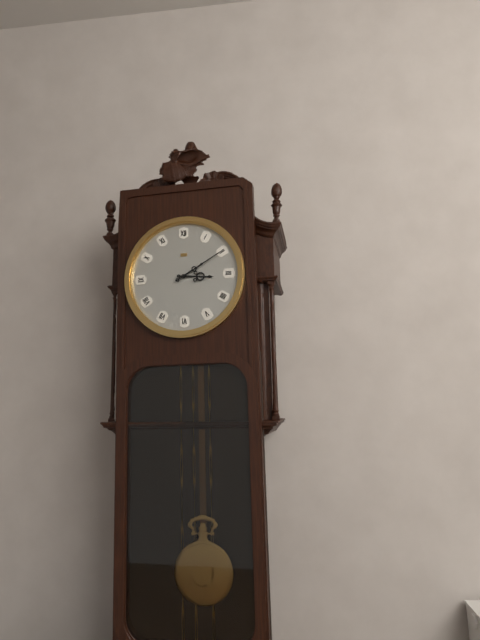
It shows 3h10
